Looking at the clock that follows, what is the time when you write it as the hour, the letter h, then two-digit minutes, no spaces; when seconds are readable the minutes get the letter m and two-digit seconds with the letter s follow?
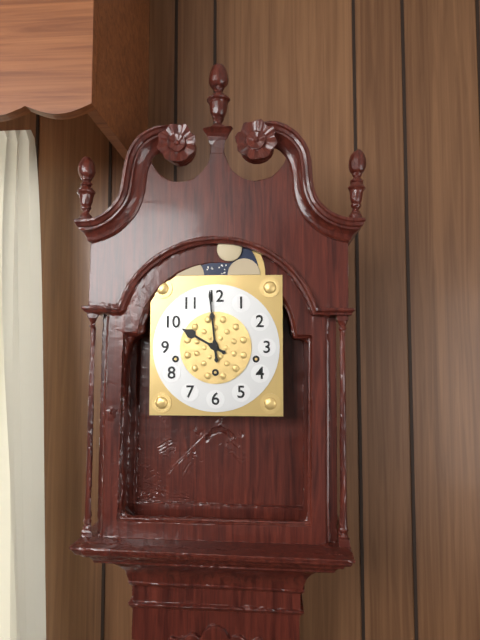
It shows 9h59
